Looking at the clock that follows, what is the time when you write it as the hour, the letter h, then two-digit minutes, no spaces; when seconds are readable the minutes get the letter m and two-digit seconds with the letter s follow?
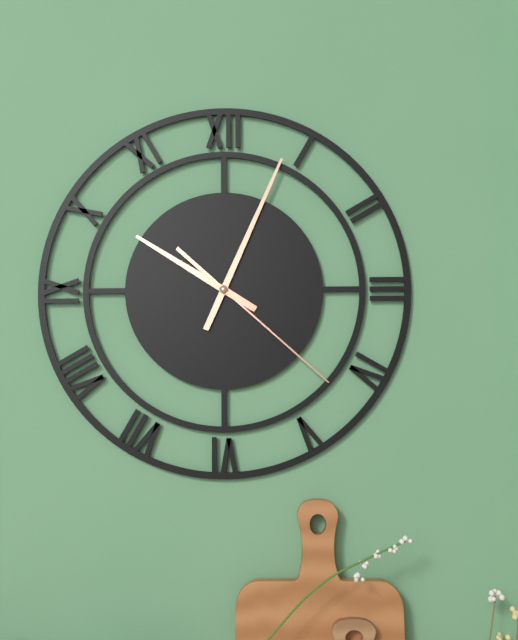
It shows 10h04m22s
